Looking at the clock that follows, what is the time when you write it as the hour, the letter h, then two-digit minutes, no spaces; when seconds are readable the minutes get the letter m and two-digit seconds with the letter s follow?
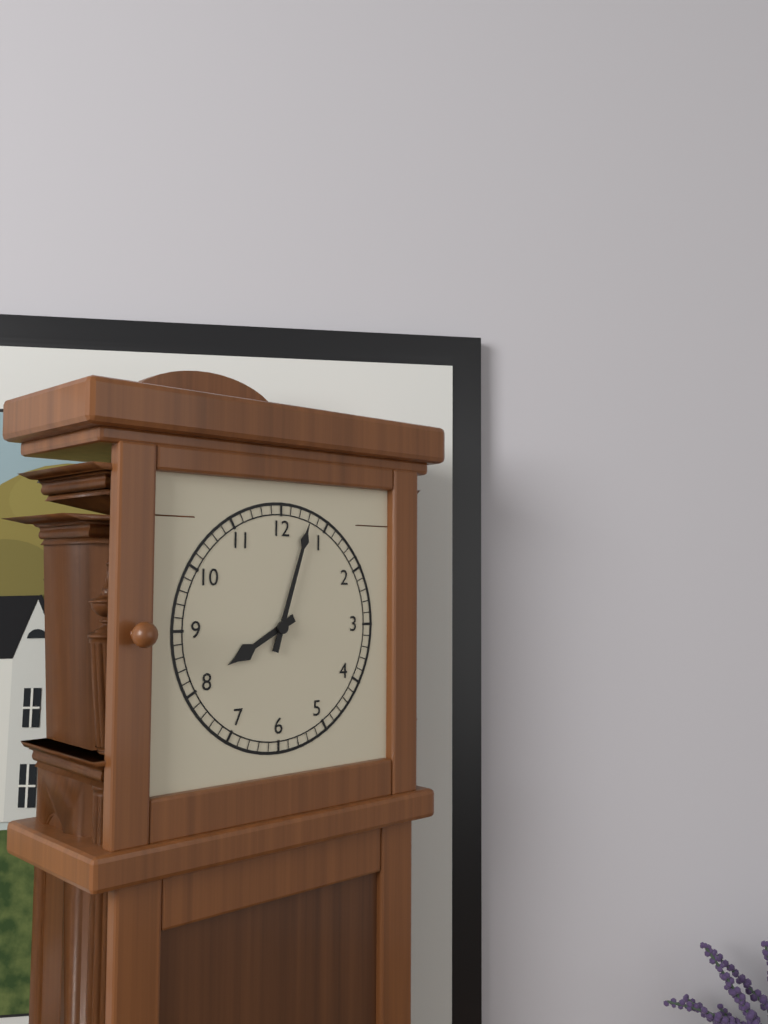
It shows 8h03
